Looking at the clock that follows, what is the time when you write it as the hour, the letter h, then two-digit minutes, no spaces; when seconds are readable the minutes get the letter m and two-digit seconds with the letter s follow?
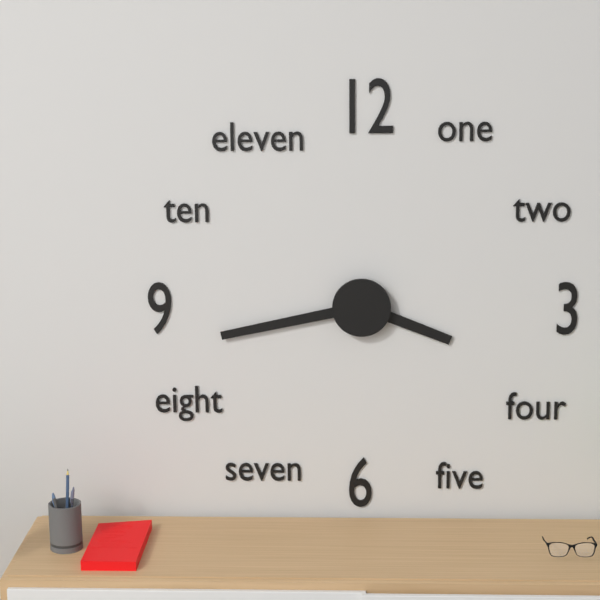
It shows 3h43
